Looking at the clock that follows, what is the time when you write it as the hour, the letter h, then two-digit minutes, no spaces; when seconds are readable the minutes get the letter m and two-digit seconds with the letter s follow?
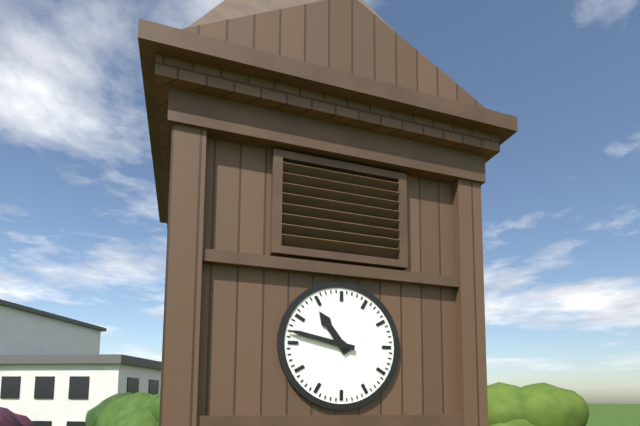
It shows 10h47
